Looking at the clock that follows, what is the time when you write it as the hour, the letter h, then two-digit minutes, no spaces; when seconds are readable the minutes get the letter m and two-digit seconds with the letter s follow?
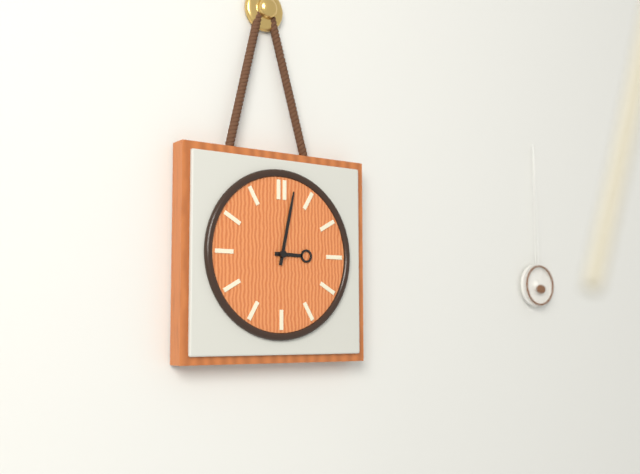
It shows 3h02
